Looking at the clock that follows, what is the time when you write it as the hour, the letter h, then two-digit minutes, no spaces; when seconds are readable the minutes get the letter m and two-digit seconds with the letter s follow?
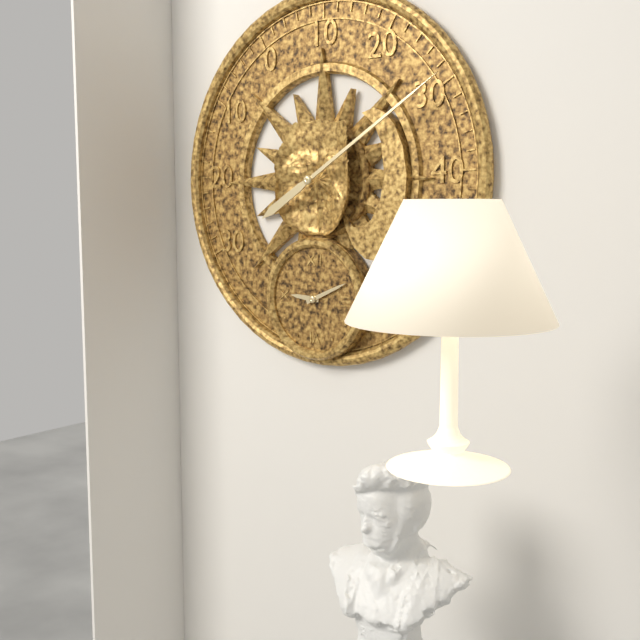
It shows 9h11
